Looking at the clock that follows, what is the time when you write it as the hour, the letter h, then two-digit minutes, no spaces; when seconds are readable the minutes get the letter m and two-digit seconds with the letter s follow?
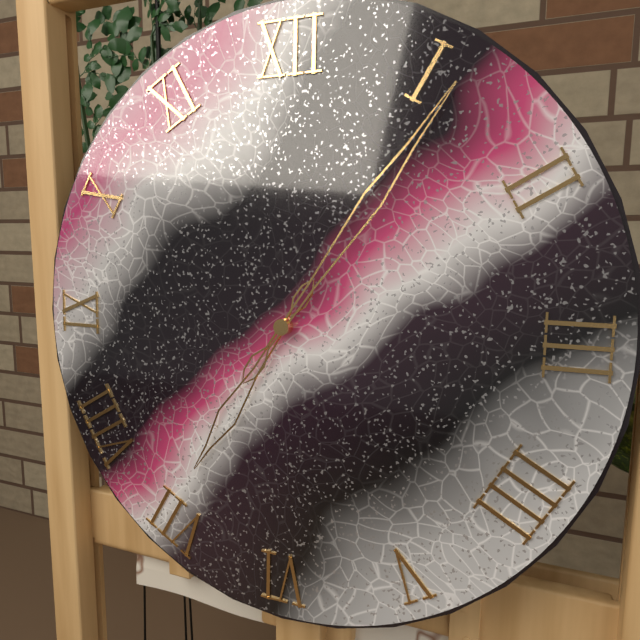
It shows 7h06
